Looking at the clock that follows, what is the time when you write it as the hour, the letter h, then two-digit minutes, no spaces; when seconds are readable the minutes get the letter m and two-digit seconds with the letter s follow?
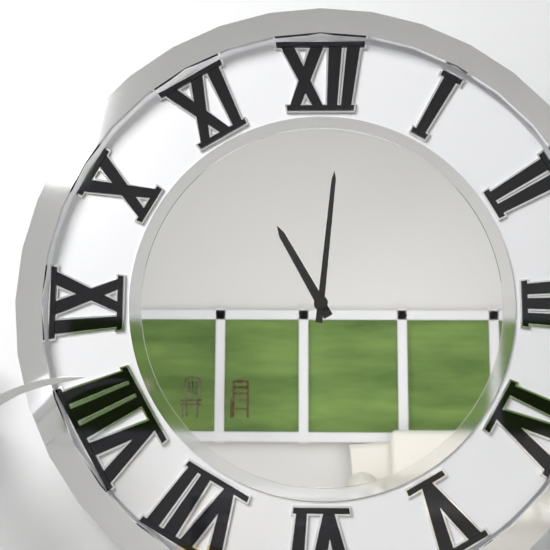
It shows 11h01
